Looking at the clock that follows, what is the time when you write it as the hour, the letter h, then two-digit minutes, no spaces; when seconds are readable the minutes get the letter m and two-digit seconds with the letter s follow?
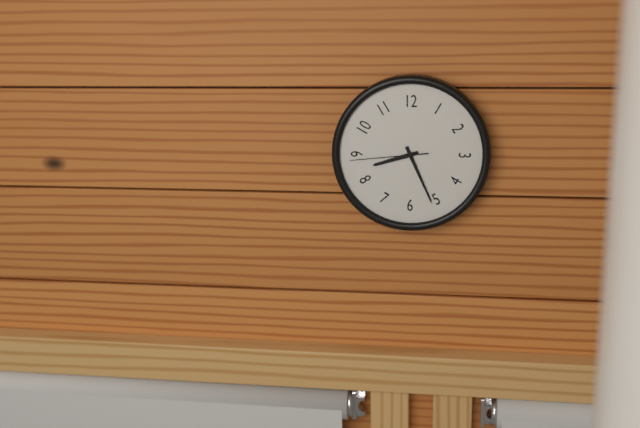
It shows 8h26m44s
